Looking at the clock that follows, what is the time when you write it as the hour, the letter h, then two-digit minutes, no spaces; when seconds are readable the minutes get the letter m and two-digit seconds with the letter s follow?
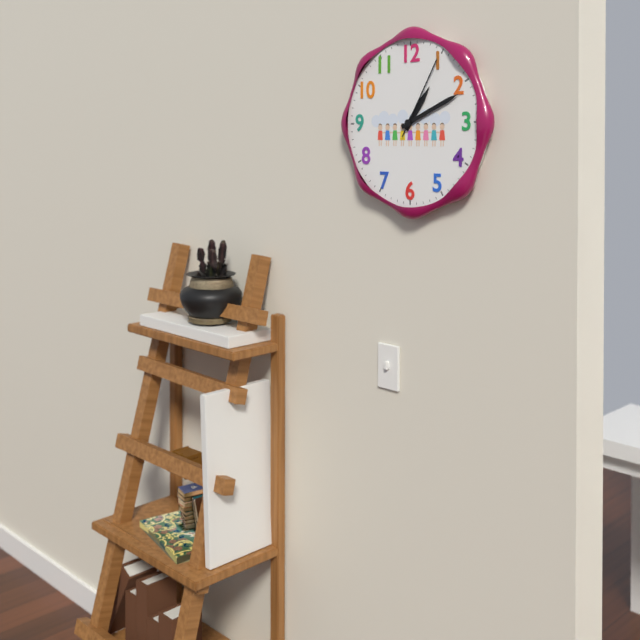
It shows 1h11m05s
